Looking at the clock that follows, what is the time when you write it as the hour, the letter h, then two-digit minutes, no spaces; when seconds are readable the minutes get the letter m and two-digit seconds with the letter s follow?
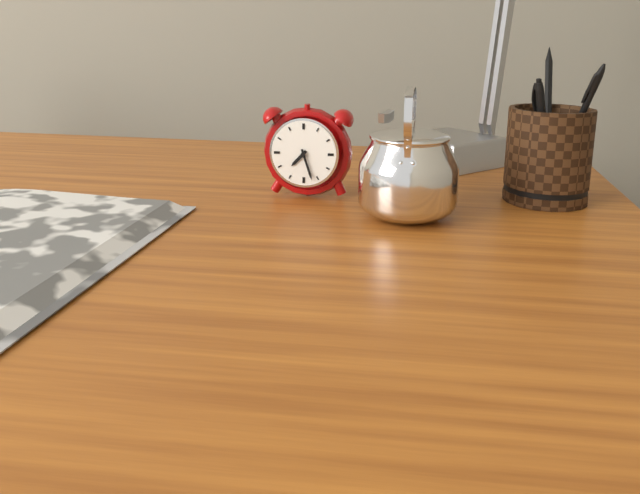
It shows 7h27
